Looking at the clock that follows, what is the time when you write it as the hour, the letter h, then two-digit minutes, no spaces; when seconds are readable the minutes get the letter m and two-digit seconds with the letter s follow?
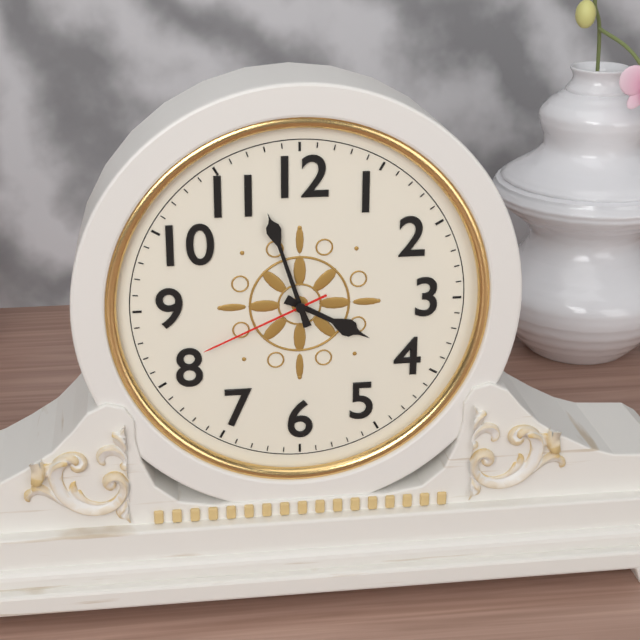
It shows 3h57m41s
